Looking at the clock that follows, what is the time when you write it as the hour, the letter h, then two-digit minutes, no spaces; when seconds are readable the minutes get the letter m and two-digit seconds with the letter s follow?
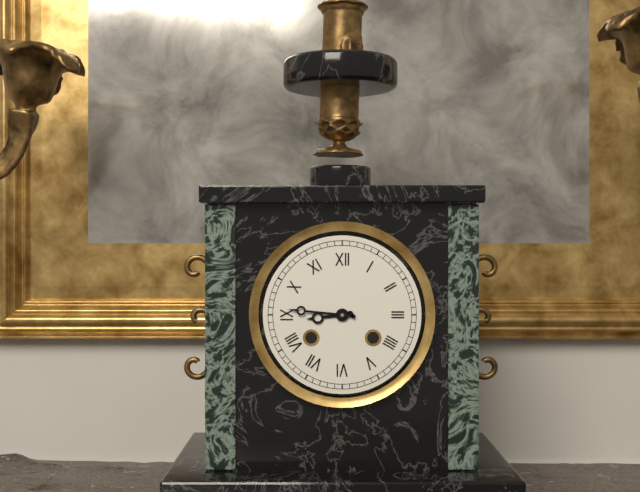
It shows 8h46
